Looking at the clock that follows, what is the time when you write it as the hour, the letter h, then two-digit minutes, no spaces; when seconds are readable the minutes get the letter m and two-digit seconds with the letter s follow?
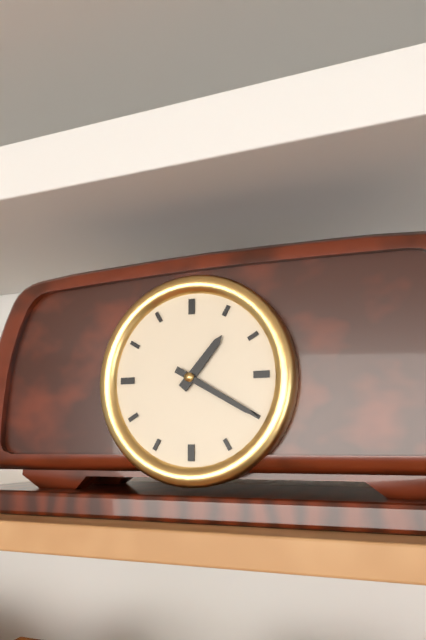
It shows 1h20
